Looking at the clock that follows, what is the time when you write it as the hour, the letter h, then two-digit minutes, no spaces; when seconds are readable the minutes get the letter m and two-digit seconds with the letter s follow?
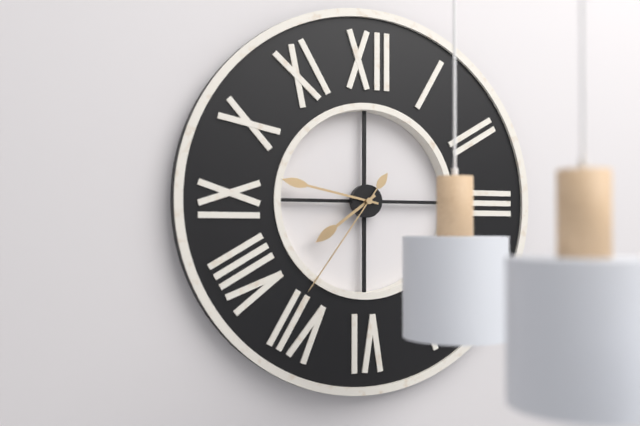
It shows 7h47m36s
